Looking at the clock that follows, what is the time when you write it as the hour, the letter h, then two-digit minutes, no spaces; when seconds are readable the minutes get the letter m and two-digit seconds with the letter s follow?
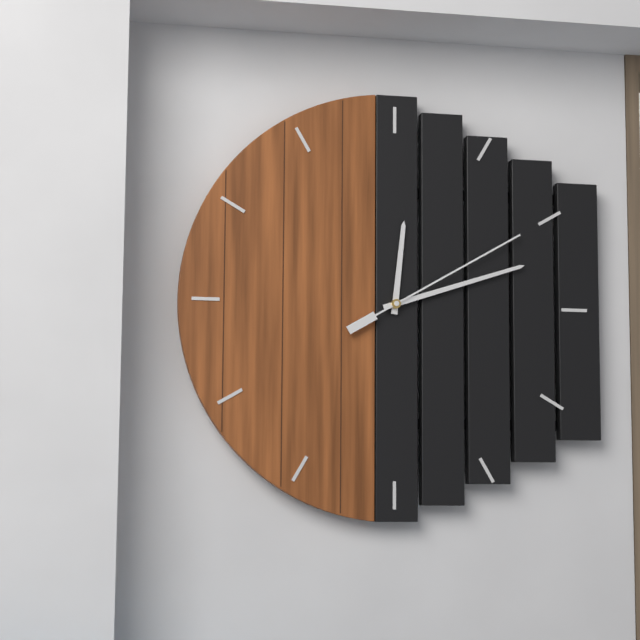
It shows 12h12m10s
